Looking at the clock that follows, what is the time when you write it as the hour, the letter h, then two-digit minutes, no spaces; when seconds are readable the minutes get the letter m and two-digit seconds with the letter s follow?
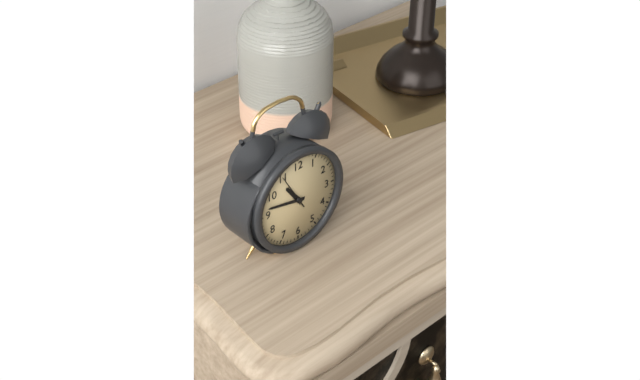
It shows 10h47
